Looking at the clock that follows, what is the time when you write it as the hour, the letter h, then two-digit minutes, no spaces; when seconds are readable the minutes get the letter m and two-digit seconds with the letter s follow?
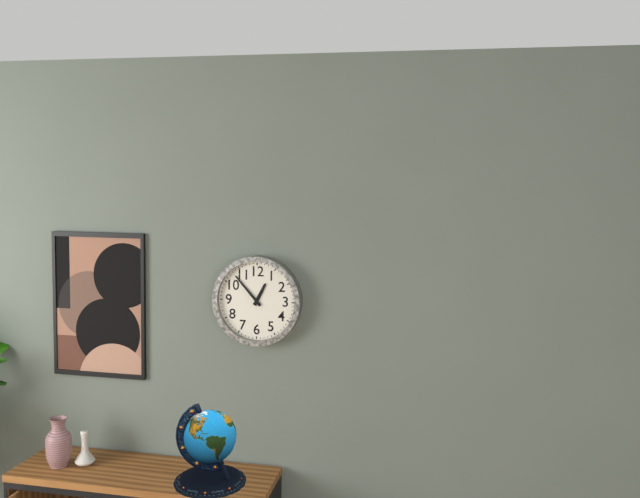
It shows 12h53
